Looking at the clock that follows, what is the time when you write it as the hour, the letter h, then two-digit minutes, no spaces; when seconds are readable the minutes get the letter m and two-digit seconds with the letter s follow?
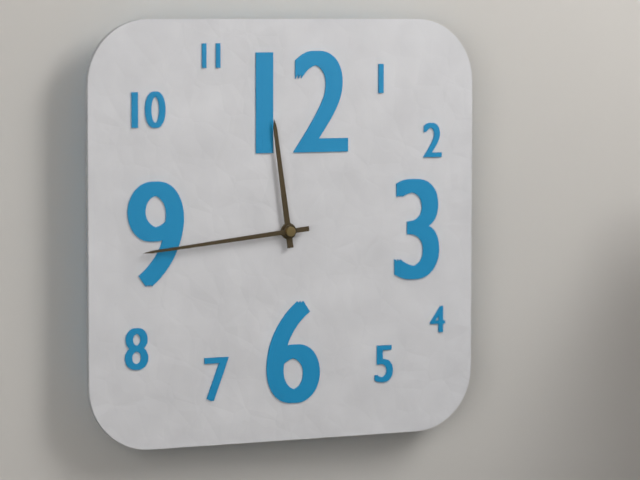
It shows 11h44
